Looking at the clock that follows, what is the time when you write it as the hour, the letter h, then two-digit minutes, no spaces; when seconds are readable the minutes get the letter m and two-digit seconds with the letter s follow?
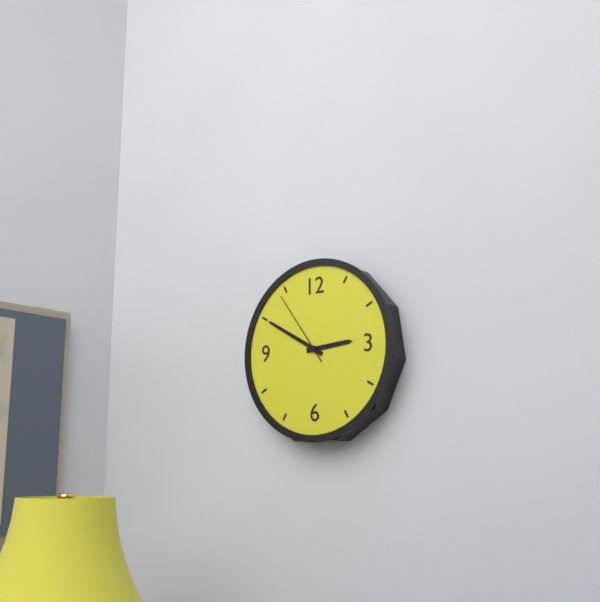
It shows 2h50m54s
